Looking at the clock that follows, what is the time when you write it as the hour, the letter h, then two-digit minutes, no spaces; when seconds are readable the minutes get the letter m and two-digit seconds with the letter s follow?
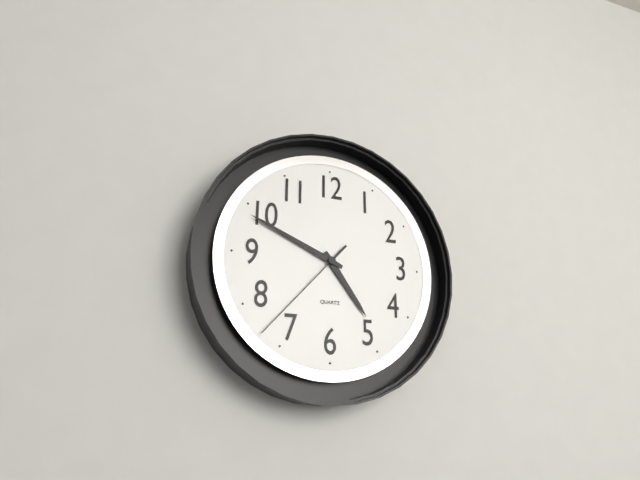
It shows 4h49m37s
